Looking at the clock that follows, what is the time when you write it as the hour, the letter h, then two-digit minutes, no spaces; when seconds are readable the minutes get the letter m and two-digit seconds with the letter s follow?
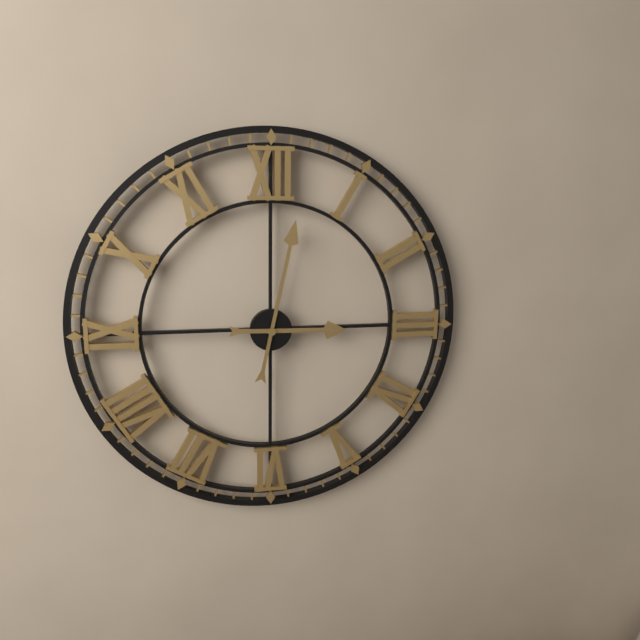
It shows 3h02
